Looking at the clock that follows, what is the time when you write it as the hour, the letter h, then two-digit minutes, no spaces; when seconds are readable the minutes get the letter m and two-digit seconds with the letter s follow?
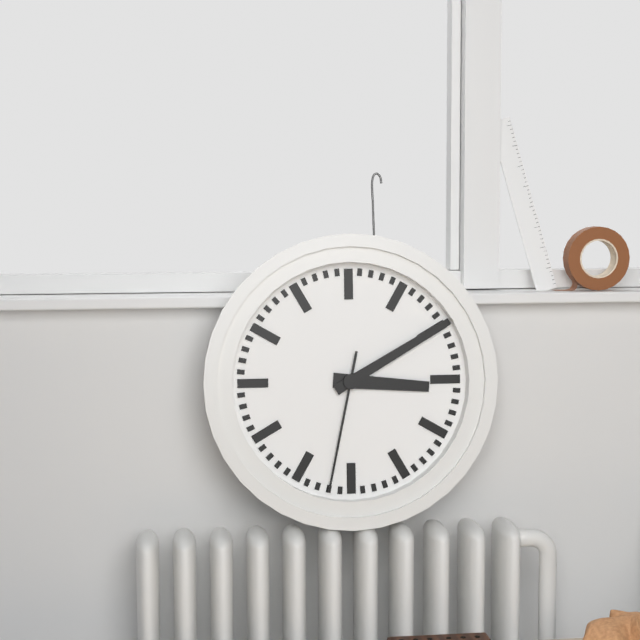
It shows 3h10m32s
